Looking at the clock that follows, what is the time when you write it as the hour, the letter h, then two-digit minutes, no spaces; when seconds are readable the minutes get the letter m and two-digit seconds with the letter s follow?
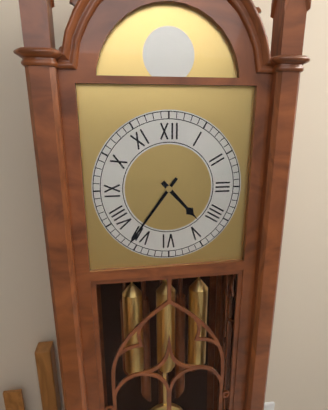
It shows 4h36
